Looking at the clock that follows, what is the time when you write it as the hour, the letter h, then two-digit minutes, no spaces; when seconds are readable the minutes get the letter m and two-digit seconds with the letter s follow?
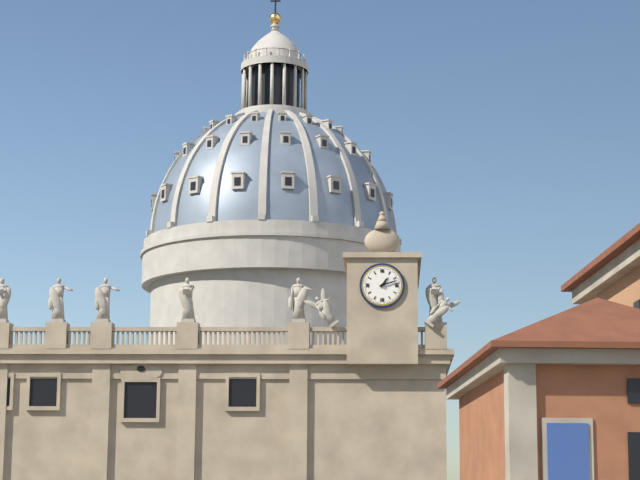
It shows 1h12
